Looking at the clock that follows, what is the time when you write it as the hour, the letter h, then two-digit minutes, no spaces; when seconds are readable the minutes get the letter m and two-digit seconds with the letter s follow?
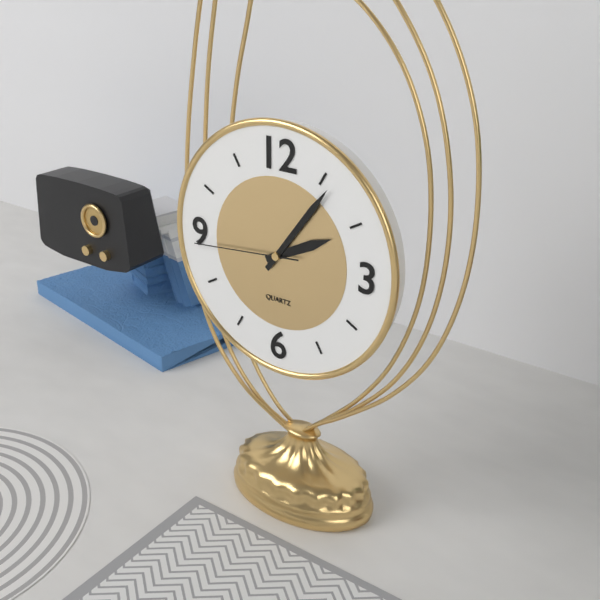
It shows 2h06m44s
